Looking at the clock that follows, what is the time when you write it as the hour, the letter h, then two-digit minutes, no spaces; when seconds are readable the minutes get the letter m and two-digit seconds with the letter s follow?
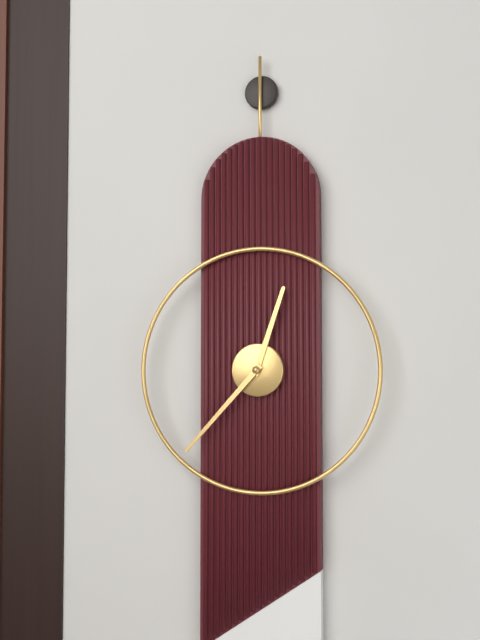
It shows 12h37
